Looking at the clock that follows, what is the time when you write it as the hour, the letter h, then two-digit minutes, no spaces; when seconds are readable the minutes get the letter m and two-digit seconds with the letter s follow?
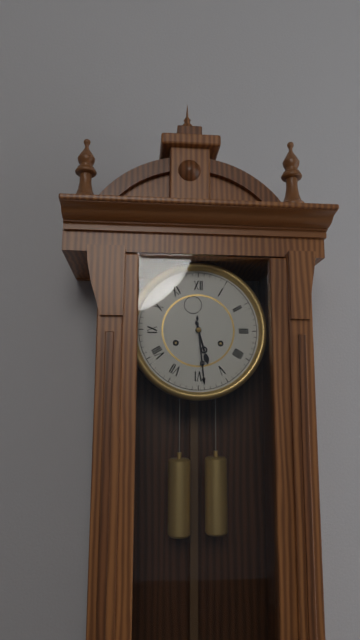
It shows 5h29
